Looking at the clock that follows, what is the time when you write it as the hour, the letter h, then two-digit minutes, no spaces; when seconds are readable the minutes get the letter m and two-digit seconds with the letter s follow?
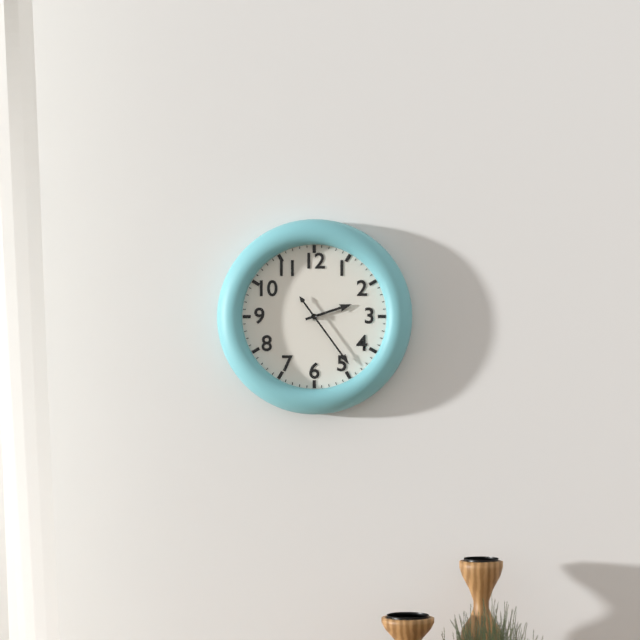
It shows 2h24
